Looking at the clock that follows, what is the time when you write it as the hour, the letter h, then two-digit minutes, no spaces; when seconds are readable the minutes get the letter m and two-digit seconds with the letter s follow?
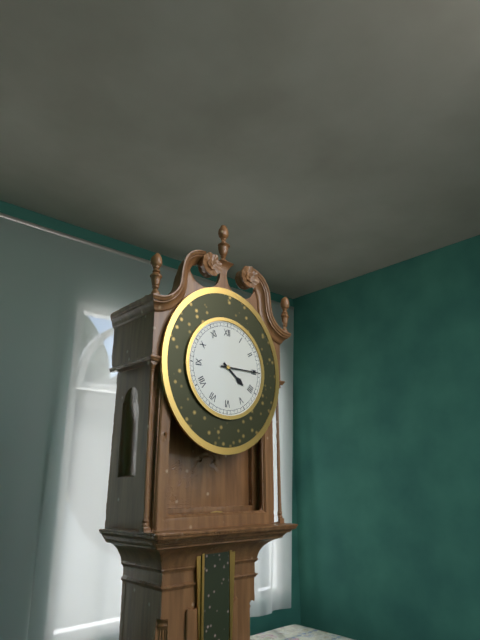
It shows 4h15
